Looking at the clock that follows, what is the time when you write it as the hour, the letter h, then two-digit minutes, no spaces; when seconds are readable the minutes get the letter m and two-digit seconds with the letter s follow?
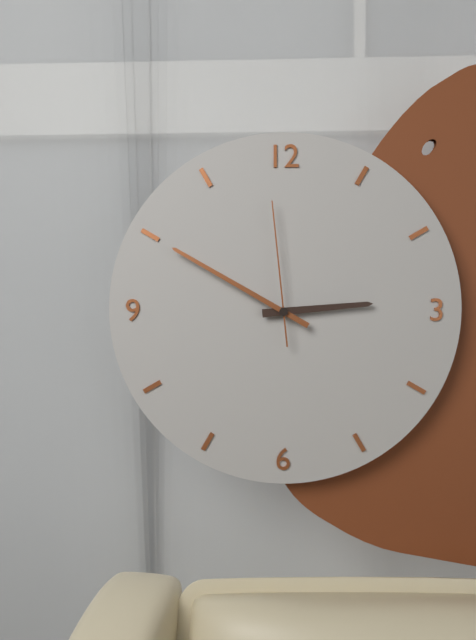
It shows 2h50m59s
